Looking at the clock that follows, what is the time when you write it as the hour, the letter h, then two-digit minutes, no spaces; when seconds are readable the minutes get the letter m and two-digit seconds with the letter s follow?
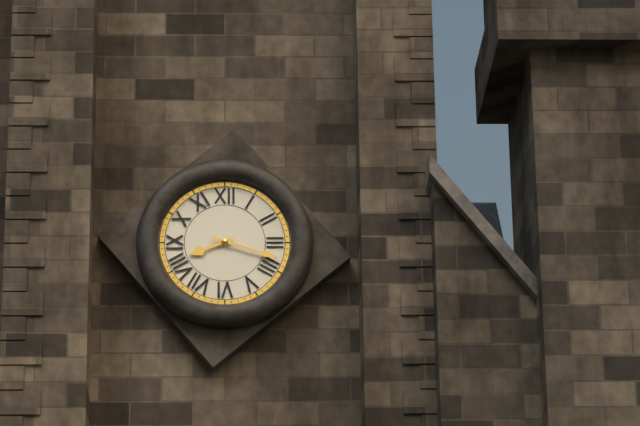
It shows 8h18
